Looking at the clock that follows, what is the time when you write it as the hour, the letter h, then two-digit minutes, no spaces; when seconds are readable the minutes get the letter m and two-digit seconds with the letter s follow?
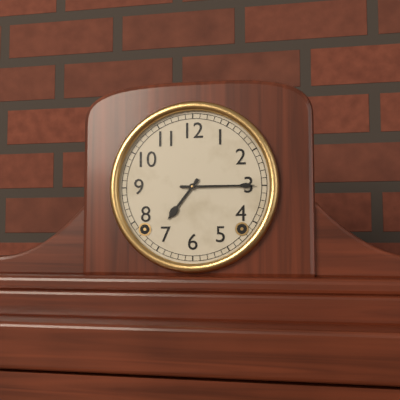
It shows 7h15
